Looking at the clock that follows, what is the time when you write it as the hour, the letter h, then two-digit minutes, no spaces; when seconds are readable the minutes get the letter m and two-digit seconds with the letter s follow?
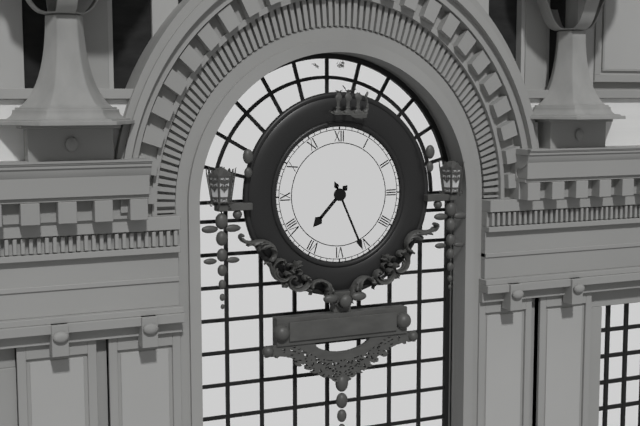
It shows 7h26
